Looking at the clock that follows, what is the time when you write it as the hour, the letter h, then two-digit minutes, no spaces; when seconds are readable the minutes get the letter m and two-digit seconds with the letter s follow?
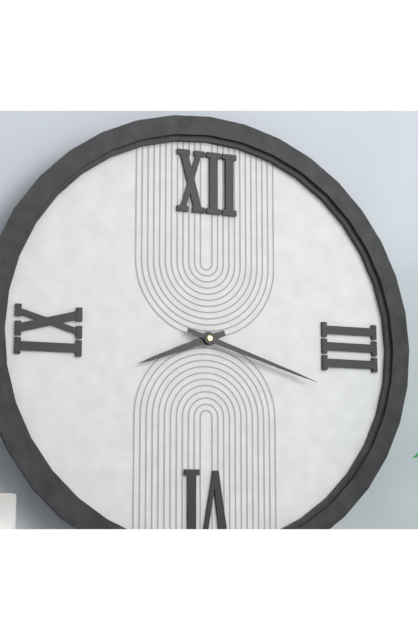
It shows 8h18
